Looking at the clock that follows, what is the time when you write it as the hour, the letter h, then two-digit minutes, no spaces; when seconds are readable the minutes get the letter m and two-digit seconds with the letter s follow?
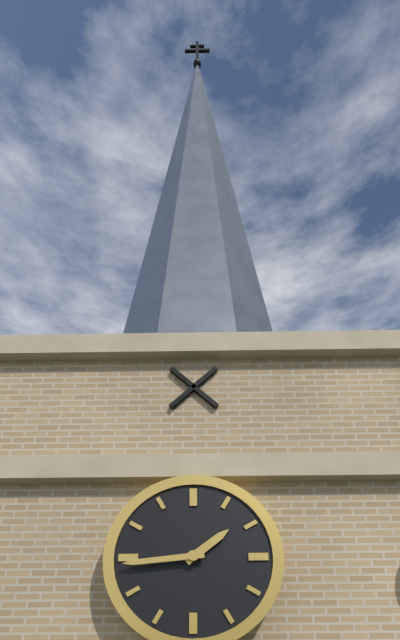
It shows 1h44
